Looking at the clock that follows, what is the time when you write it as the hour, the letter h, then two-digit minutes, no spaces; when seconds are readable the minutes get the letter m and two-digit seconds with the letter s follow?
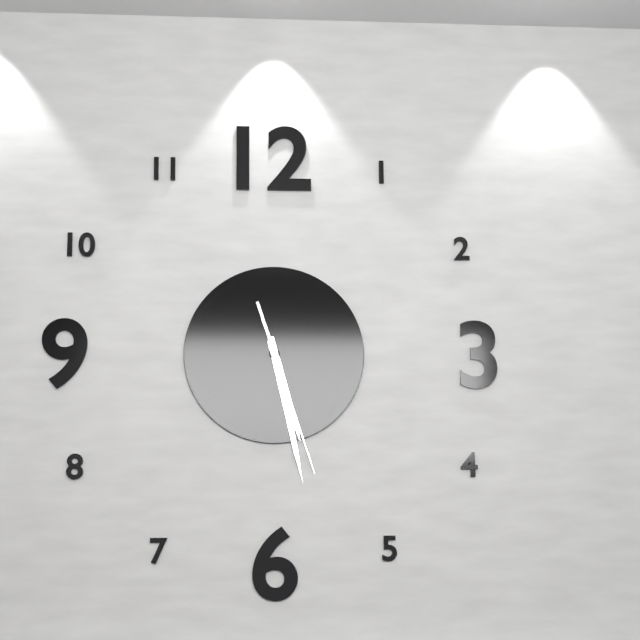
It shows 5h28m27s
